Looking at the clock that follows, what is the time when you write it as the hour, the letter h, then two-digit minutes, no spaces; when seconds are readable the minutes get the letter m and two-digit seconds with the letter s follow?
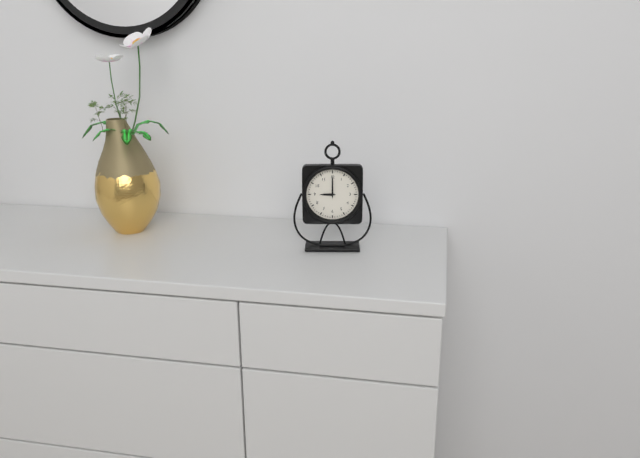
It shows 9h00
